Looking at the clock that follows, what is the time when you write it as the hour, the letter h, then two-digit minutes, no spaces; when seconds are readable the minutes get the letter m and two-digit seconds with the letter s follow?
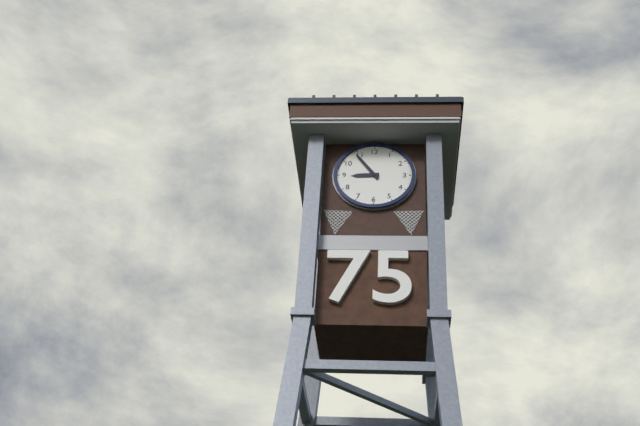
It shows 8h54
